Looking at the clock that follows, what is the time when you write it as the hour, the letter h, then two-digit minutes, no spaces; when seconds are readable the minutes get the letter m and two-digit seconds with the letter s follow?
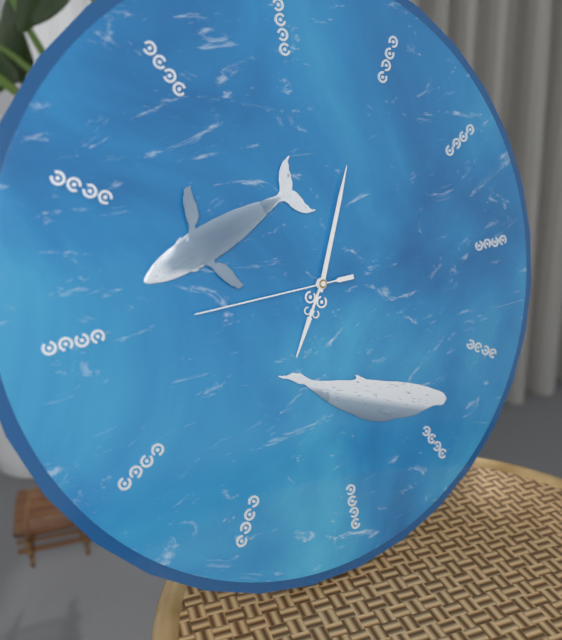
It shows 7h04m45s
